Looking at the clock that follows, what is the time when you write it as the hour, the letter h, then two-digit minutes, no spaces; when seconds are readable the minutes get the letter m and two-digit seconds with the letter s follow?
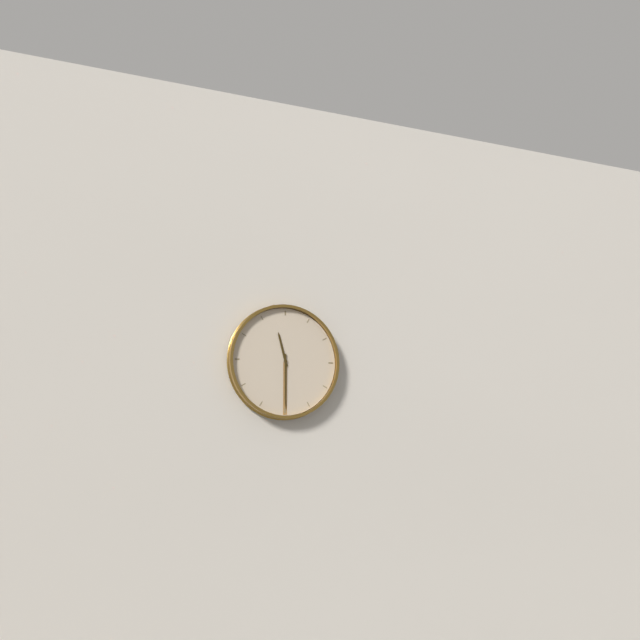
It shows 11h30
